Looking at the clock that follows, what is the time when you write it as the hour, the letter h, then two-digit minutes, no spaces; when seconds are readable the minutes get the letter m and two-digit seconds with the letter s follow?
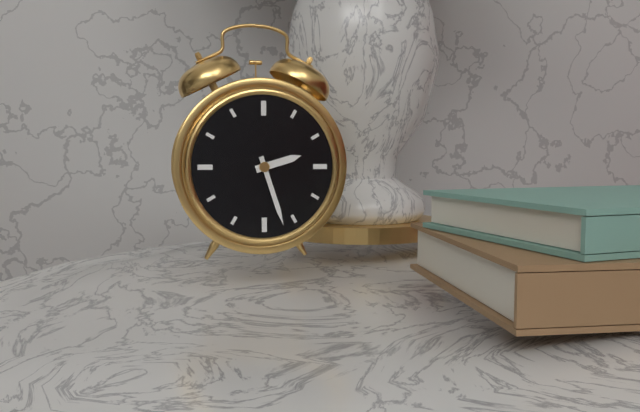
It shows 2h27
